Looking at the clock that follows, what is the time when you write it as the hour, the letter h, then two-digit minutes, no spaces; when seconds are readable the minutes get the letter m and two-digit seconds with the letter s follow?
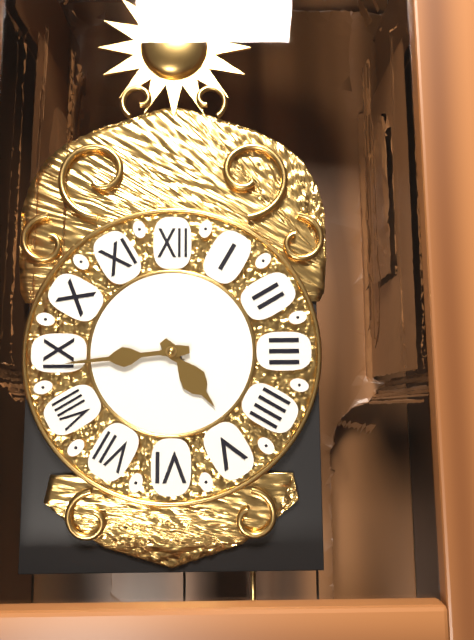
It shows 4h44
